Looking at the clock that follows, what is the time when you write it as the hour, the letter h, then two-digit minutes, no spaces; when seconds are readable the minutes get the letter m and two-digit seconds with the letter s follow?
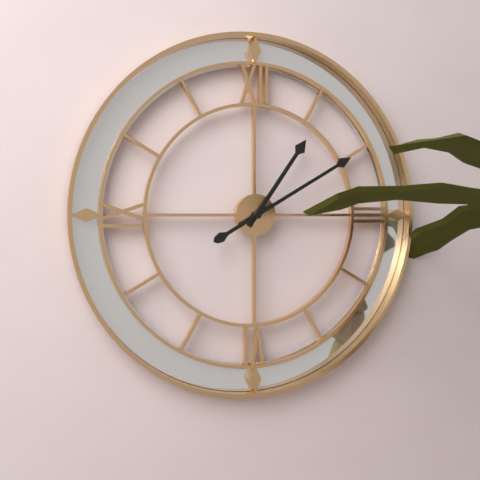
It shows 1h10
